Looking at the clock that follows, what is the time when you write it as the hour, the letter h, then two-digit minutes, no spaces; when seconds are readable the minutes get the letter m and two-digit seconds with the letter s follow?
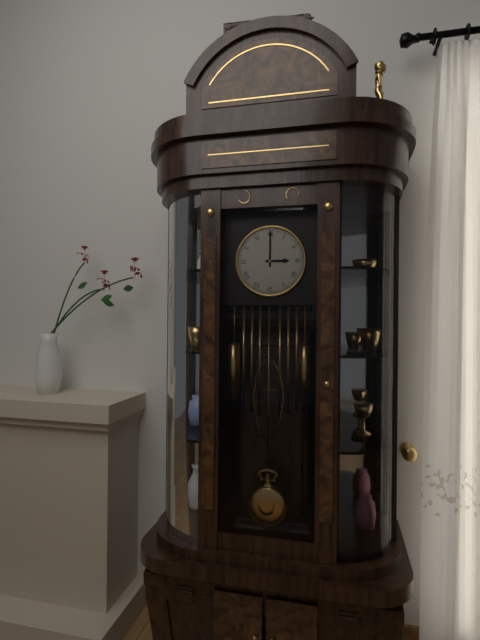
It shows 3h00
